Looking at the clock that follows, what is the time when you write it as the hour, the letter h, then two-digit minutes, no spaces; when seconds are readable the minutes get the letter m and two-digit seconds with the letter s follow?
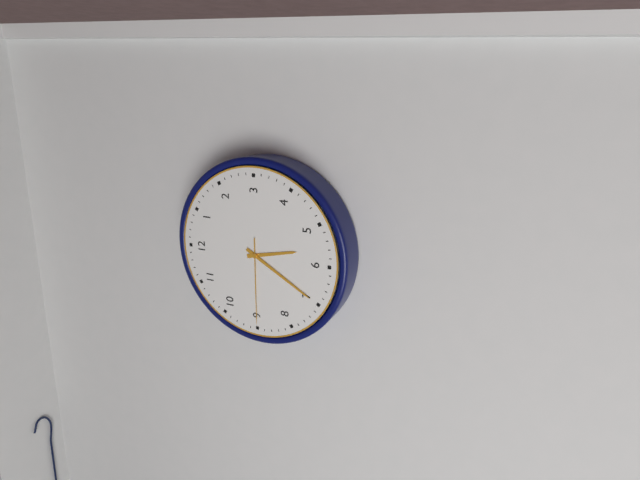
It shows 5h35m45s
